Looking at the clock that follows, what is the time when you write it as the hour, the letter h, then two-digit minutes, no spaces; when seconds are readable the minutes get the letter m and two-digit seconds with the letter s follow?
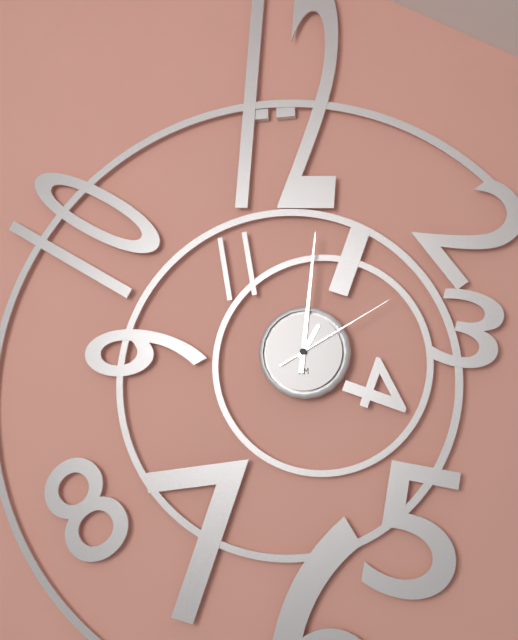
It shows 1h01m10s
